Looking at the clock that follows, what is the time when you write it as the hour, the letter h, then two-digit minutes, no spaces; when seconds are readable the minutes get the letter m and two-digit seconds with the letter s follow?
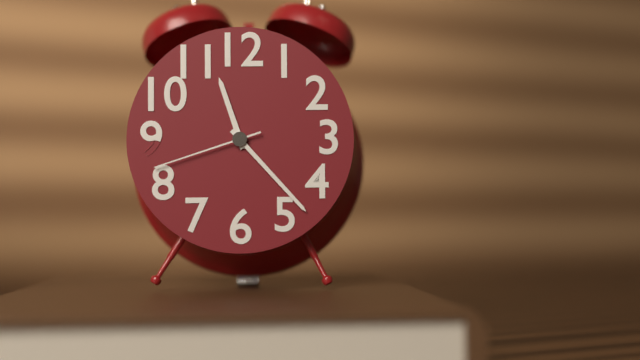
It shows 11h23m42s
